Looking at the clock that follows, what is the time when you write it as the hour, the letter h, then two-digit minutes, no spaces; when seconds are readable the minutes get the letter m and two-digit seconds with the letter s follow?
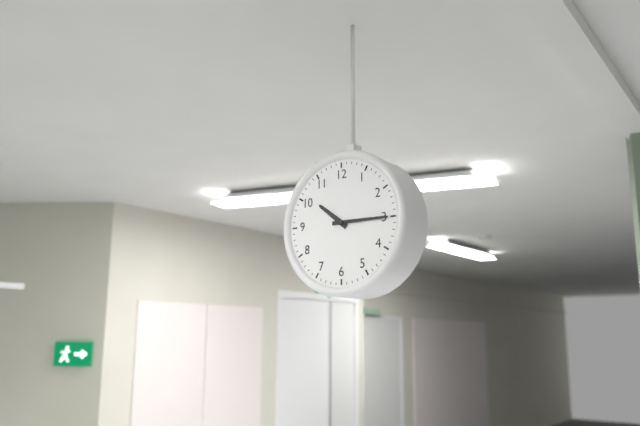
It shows 10h15
